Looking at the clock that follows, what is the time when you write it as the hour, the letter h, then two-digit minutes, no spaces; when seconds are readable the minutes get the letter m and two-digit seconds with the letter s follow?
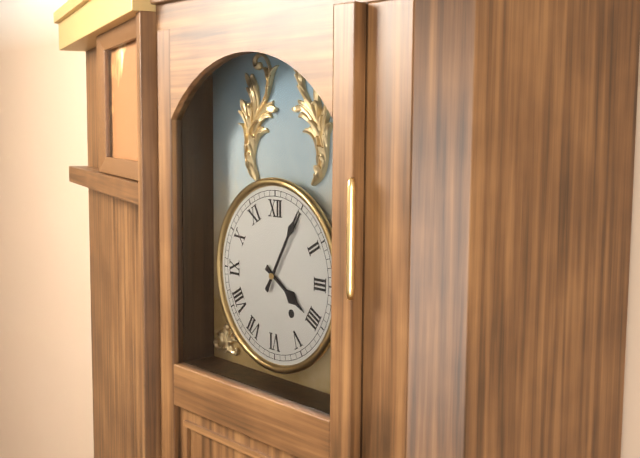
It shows 4h05
